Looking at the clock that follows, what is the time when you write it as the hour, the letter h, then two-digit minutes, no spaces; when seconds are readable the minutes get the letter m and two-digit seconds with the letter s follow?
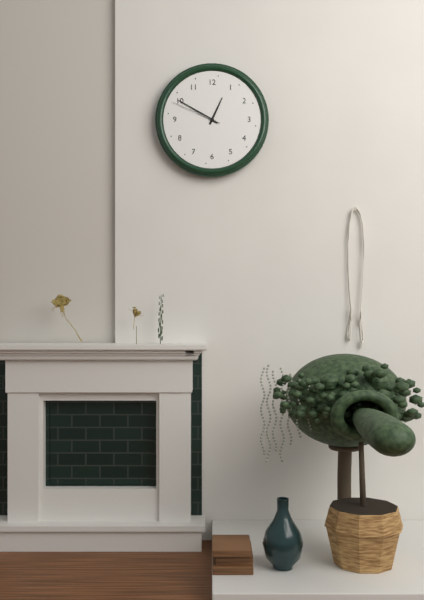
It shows 12h50m49s
